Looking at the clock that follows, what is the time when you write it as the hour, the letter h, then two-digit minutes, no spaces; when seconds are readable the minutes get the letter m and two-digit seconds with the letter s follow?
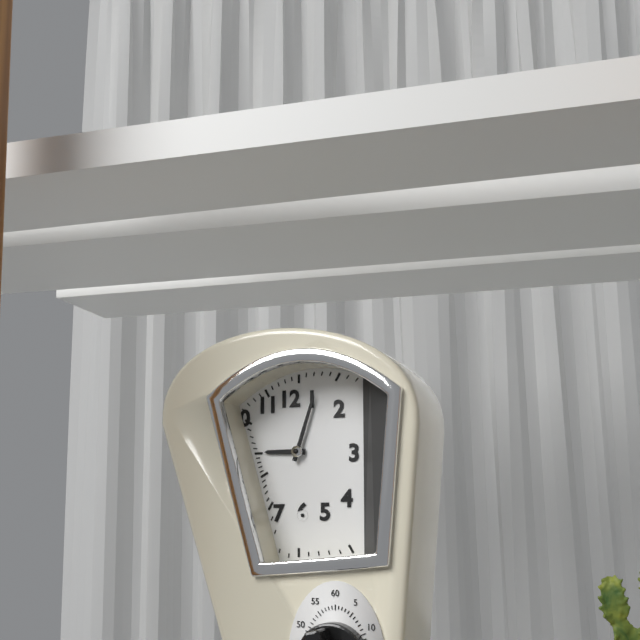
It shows 9h03
